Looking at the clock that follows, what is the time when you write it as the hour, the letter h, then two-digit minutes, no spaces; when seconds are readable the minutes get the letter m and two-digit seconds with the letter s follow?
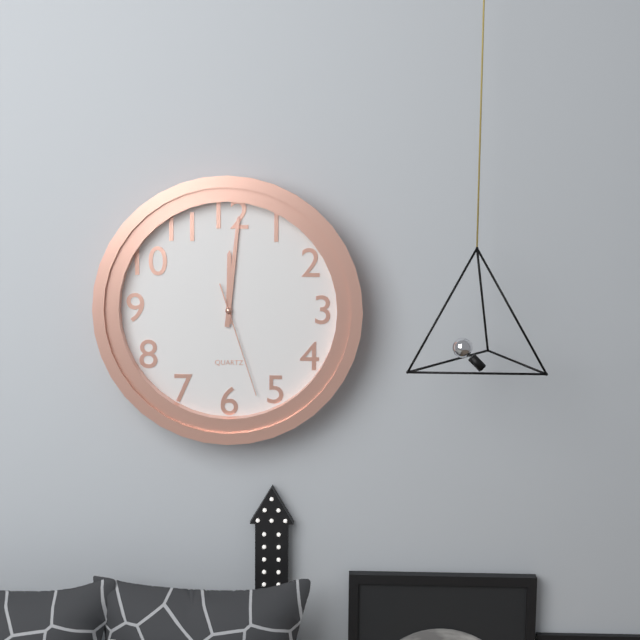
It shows 12h01m27s
